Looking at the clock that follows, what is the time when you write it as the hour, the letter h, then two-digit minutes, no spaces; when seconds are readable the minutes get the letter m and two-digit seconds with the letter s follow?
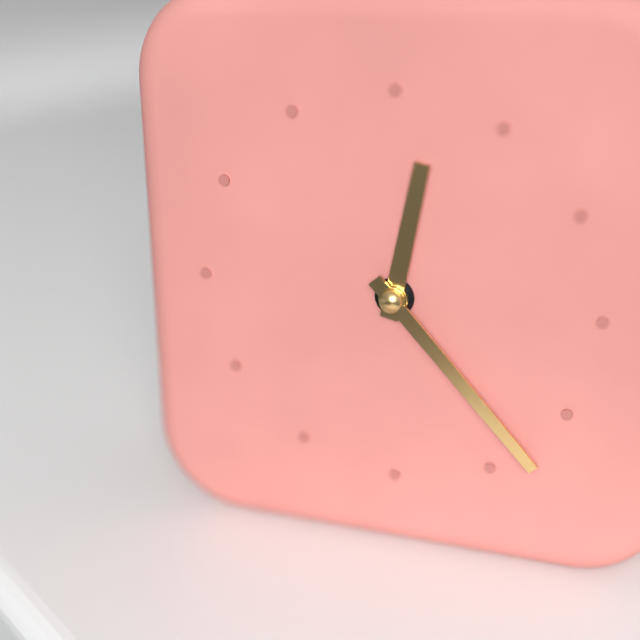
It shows 12h23
